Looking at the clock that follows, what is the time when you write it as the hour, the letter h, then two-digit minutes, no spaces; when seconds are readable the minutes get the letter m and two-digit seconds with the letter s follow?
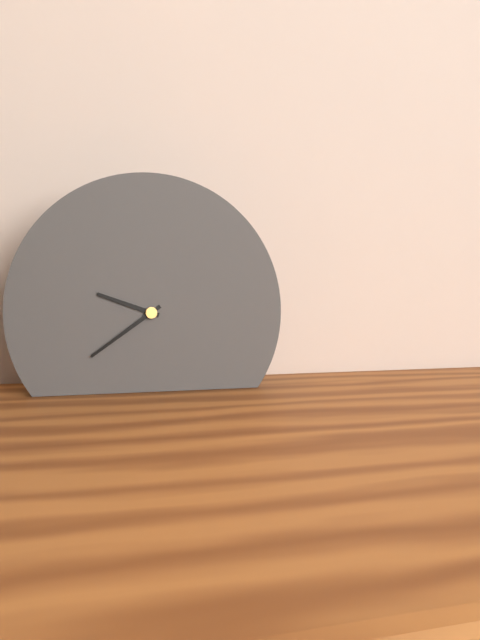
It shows 9h39
